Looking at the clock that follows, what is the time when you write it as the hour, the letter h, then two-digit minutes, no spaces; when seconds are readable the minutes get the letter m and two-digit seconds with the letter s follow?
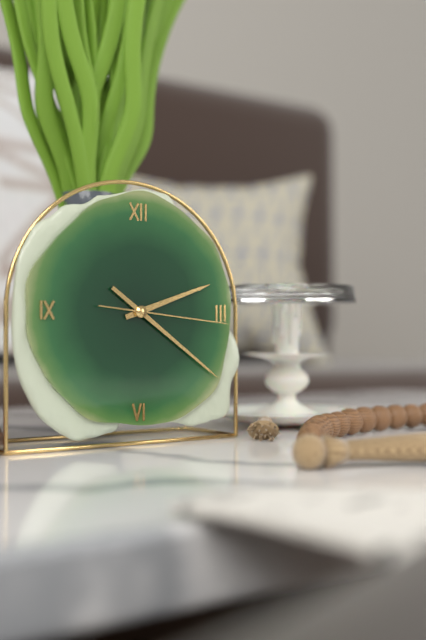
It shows 2h21m16s
